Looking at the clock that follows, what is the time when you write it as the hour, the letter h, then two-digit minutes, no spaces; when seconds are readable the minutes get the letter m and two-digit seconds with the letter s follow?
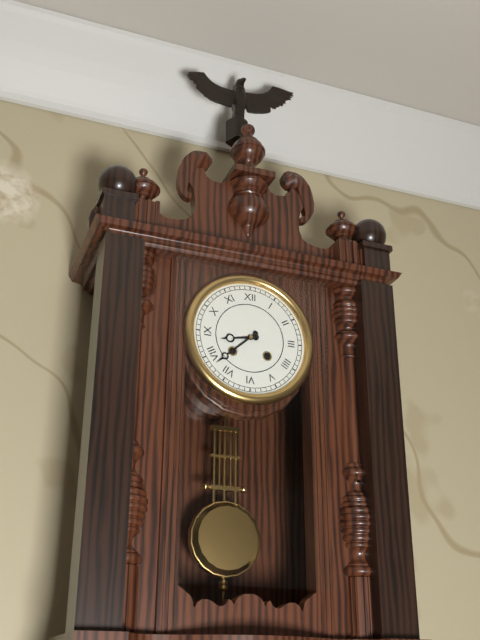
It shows 8h38
